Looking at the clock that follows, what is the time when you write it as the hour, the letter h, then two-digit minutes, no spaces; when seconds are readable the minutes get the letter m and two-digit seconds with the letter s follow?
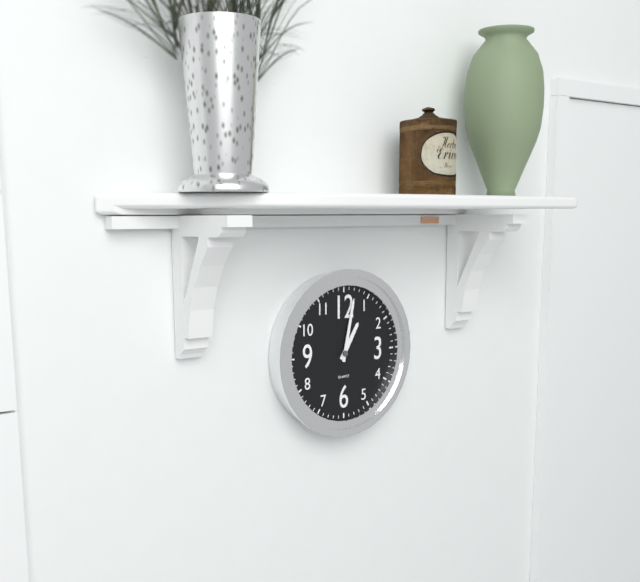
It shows 1h02
